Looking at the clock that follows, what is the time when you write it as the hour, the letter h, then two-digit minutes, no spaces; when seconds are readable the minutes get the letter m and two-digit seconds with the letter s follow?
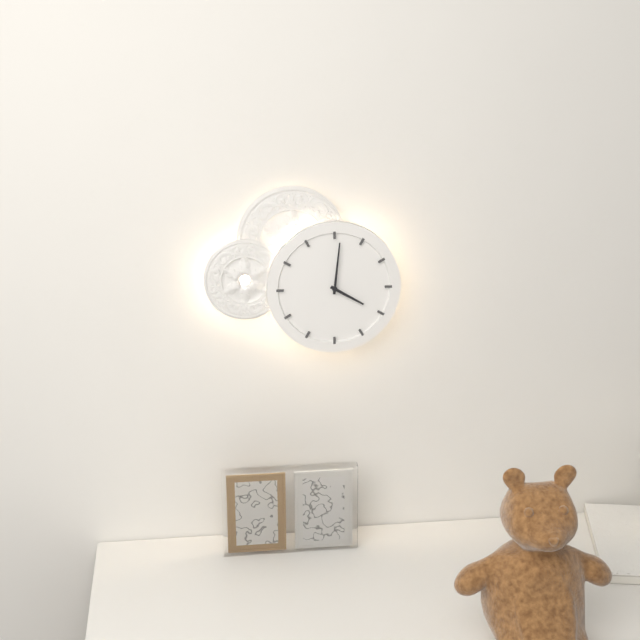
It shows 4h01
